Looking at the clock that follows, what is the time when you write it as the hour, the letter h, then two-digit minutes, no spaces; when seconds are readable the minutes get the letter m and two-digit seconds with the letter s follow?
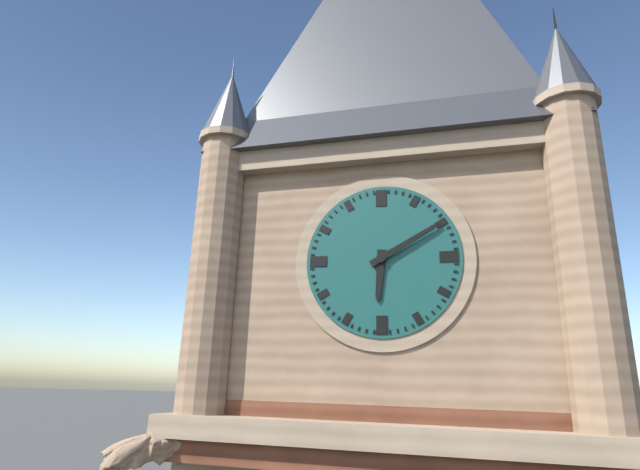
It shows 6h10
